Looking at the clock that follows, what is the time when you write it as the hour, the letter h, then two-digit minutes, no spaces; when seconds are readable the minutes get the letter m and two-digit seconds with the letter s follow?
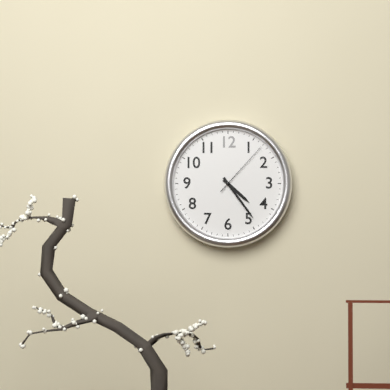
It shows 4h24m07s
